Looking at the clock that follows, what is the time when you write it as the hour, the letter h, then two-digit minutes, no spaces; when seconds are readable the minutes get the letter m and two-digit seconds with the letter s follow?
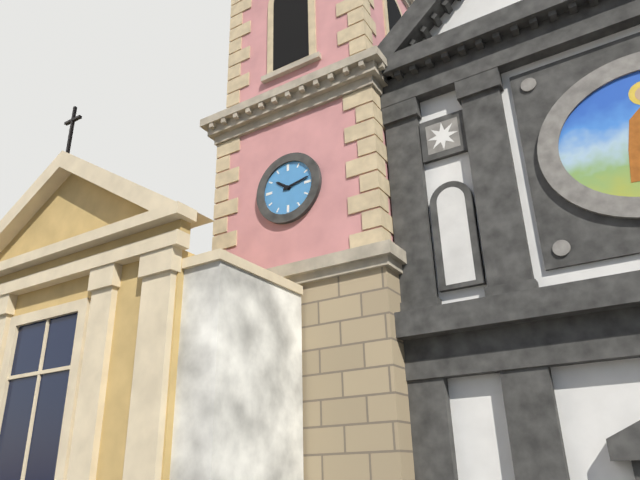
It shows 10h13
